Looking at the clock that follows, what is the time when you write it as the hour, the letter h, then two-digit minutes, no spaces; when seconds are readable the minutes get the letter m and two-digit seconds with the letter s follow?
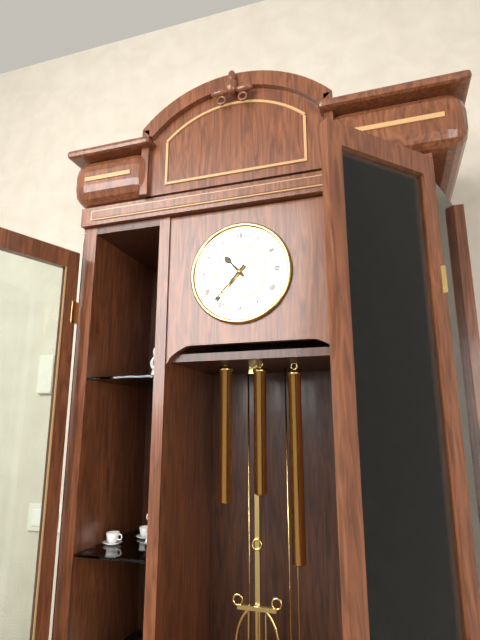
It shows 10h37
